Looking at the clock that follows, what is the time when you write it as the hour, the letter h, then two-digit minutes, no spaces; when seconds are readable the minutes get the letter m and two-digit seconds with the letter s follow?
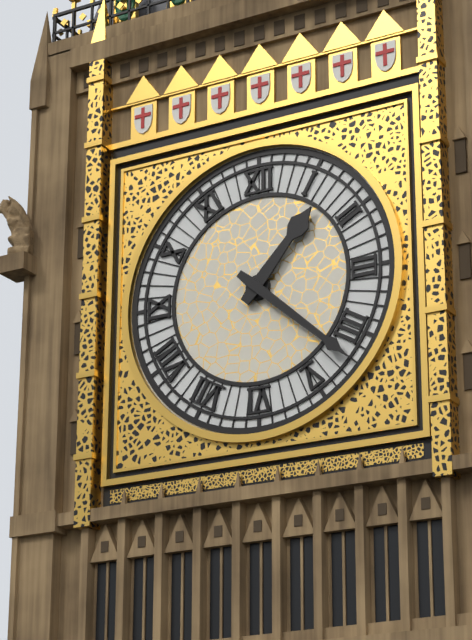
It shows 1h22
